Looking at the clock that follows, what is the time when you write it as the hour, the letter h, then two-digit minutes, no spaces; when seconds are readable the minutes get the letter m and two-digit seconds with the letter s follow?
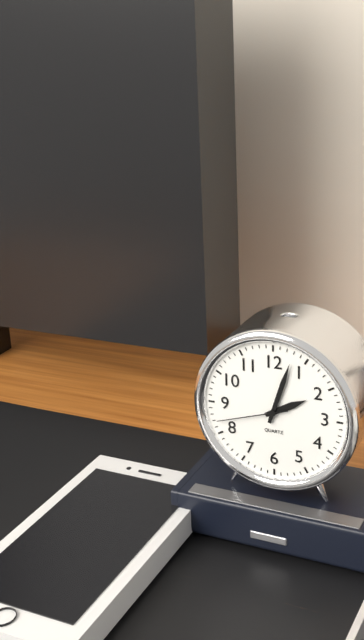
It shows 2h03m42s
